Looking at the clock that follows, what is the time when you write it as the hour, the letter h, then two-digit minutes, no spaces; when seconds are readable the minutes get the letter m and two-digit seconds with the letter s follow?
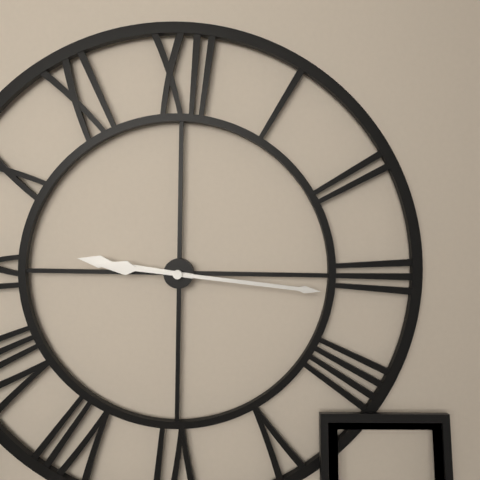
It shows 9h16
